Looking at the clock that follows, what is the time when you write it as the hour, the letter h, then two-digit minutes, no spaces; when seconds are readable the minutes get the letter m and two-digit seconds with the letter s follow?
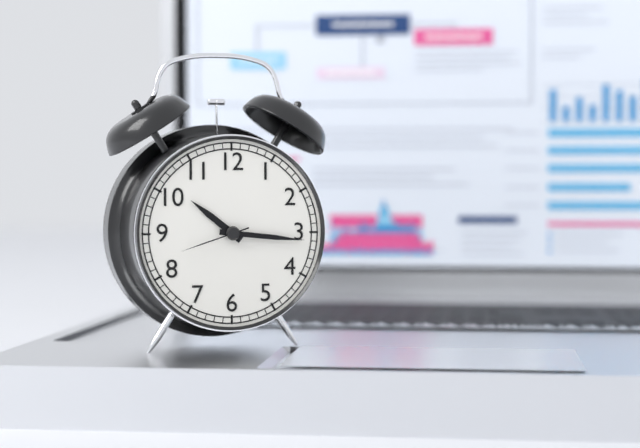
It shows 10h16m42s
